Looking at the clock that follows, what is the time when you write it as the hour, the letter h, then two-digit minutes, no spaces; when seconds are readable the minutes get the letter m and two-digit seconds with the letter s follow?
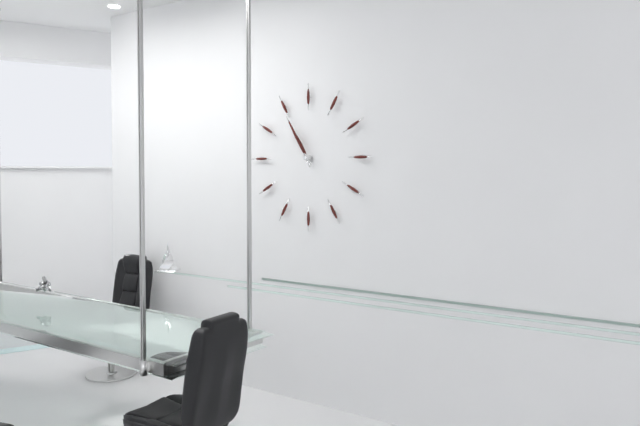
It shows 10h55
